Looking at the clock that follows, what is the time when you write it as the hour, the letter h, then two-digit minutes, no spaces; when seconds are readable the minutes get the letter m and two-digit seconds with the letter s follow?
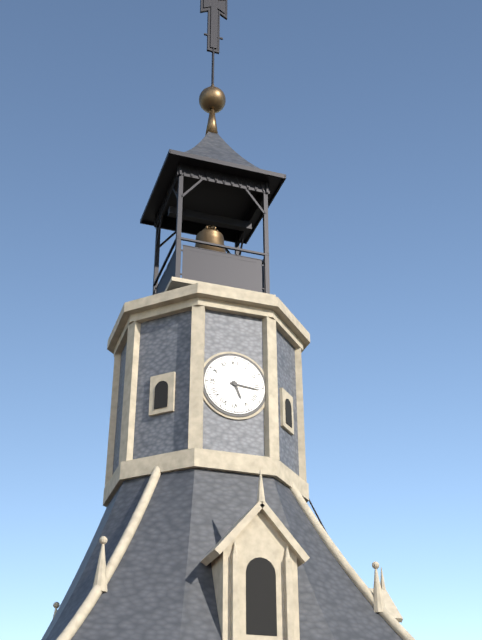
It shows 5h16
